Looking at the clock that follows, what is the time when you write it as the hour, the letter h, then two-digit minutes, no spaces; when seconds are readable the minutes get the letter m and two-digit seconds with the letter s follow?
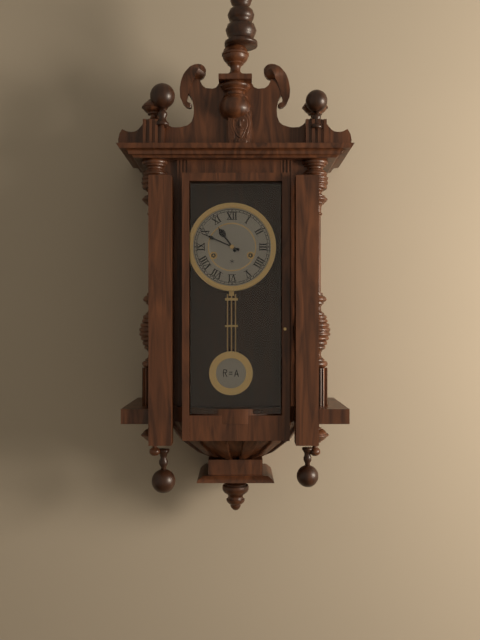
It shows 10h49
